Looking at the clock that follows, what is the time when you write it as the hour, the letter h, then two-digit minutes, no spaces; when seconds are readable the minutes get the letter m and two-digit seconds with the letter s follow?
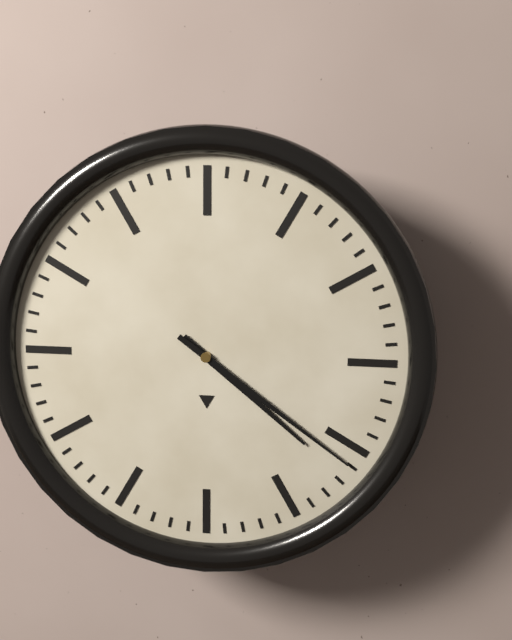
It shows 4h21
